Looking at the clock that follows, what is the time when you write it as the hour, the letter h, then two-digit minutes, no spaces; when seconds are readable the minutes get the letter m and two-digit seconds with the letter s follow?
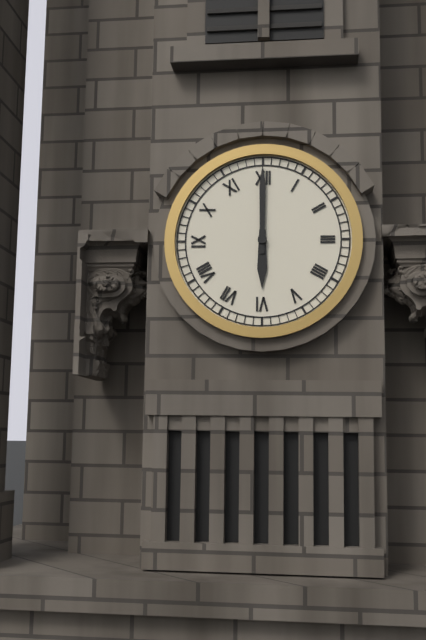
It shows 6h00
